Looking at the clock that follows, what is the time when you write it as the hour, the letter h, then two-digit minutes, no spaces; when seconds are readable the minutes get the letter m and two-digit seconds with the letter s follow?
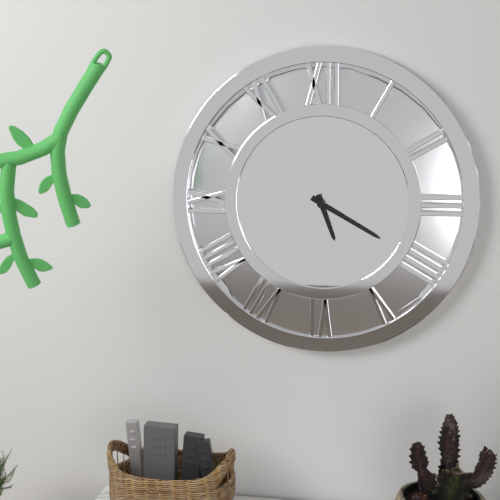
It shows 5h20
